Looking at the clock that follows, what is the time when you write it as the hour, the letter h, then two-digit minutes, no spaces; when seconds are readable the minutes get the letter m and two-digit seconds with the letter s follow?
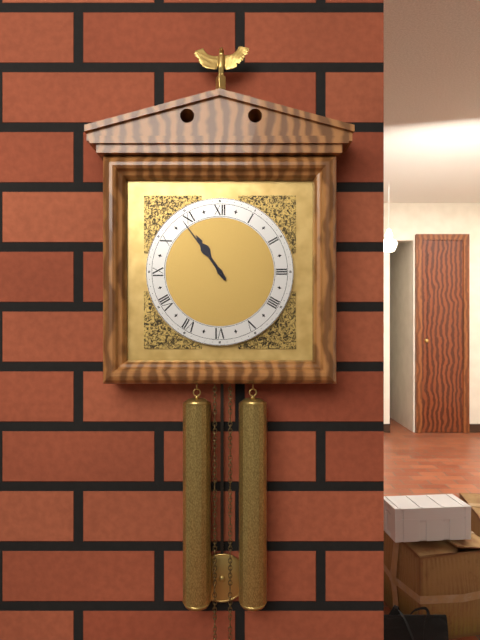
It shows 10h54
